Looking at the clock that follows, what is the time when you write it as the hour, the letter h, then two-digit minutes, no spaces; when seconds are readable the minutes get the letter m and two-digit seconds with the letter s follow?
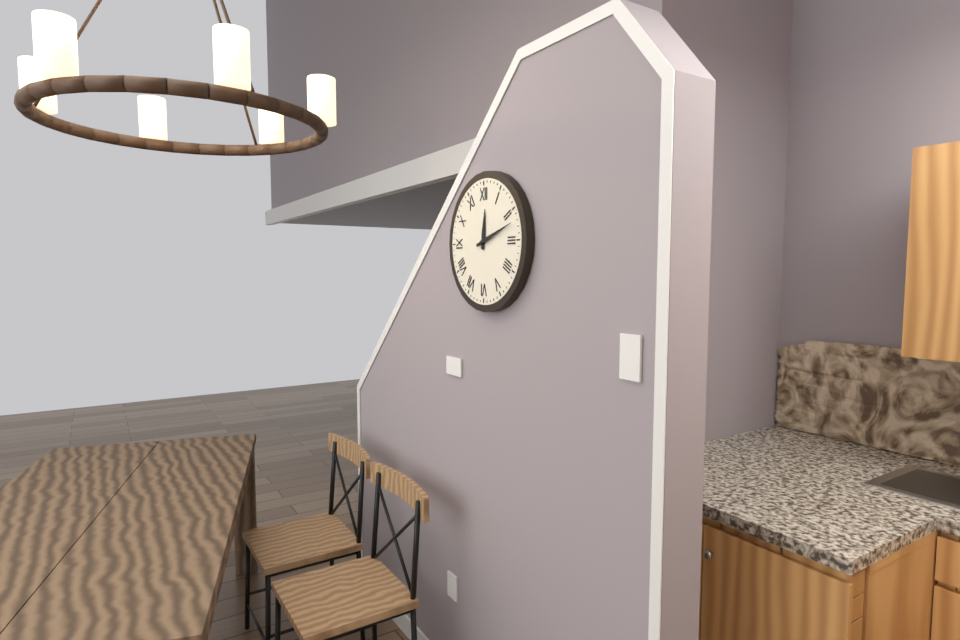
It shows 12h12
